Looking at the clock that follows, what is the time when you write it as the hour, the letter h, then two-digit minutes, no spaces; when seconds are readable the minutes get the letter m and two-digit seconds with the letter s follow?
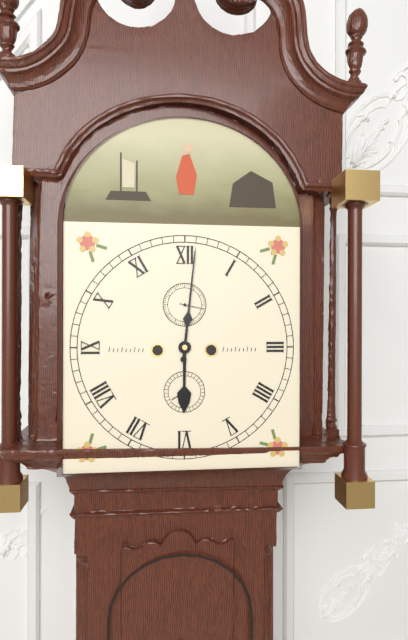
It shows 6h01
